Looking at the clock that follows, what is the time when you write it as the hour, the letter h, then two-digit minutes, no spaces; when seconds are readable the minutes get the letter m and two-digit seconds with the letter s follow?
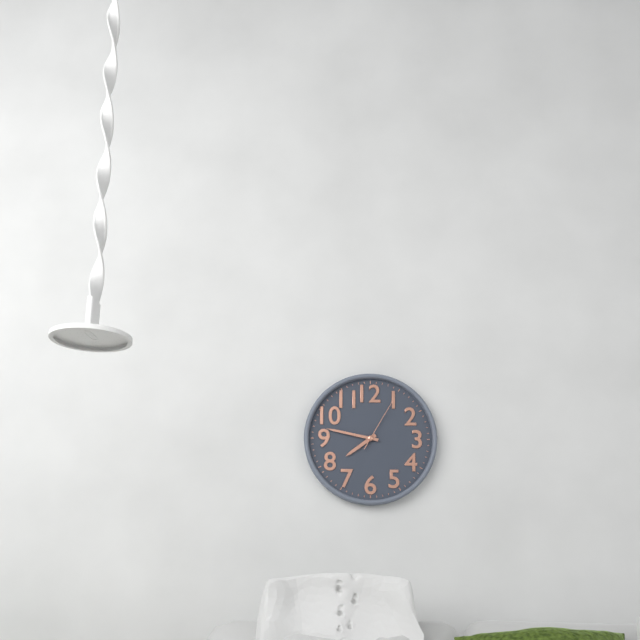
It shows 7h47m05s
